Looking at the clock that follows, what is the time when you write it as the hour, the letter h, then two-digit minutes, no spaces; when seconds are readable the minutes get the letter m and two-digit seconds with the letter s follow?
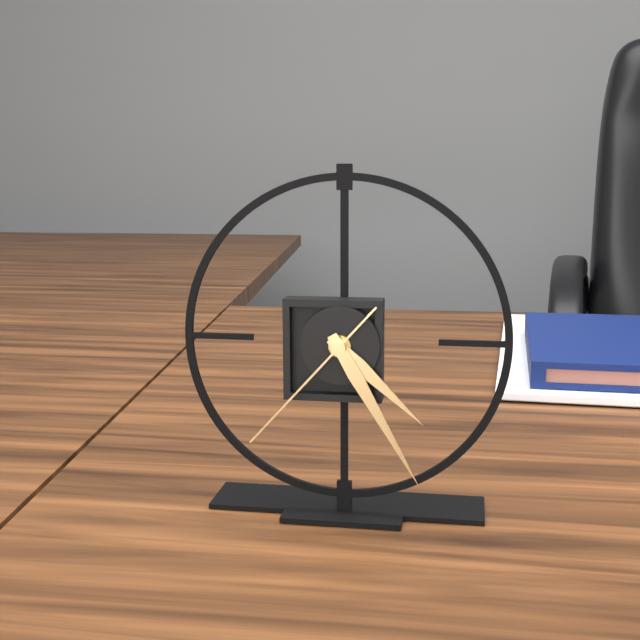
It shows 4h25m37s
